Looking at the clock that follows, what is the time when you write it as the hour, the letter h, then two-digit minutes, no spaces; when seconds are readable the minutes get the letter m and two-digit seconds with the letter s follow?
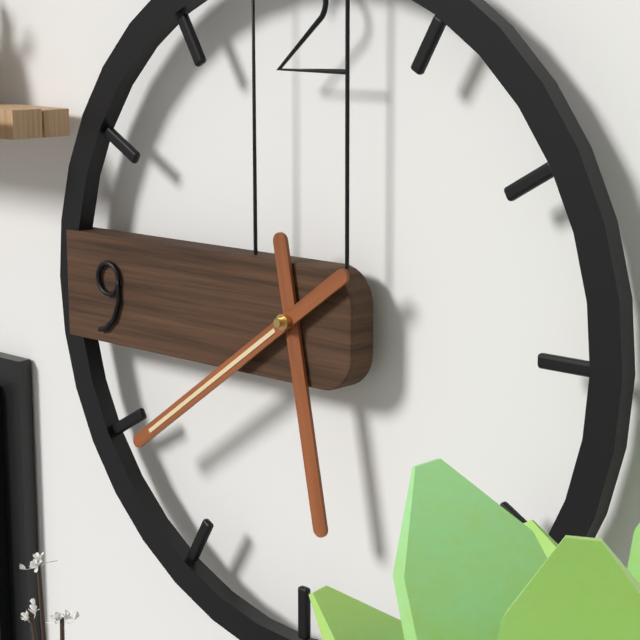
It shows 5h39
